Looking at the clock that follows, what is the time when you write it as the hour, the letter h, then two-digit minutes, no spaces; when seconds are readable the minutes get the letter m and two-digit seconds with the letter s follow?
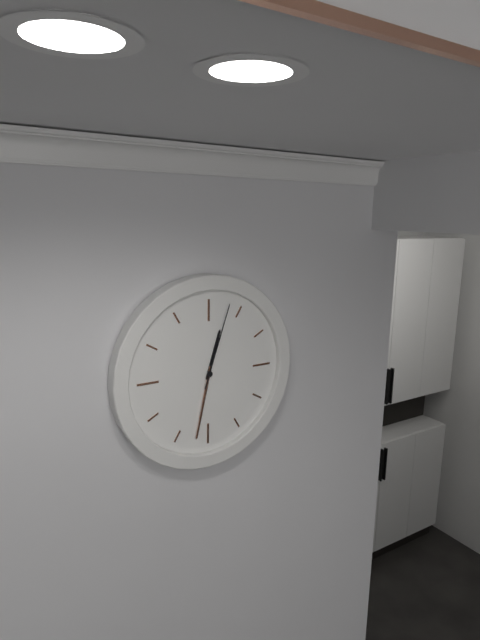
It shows 12h32m03s
